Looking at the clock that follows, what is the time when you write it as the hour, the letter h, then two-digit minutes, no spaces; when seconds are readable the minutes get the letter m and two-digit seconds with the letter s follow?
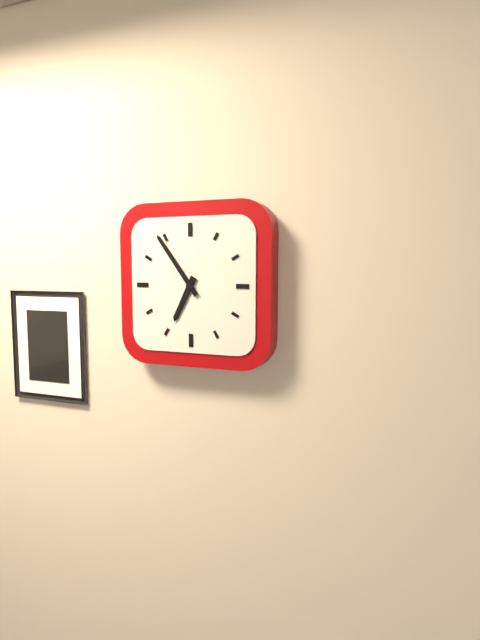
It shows 6h54
